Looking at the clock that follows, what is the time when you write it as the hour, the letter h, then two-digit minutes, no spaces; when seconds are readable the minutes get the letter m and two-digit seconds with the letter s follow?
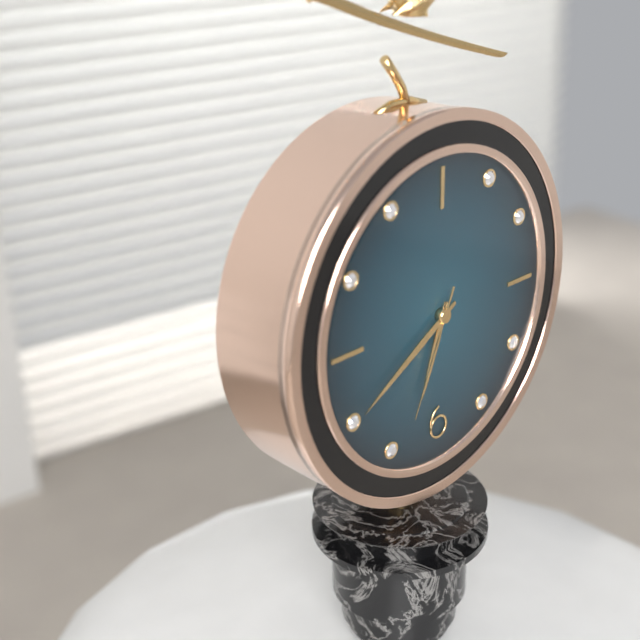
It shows 6h40m34s
